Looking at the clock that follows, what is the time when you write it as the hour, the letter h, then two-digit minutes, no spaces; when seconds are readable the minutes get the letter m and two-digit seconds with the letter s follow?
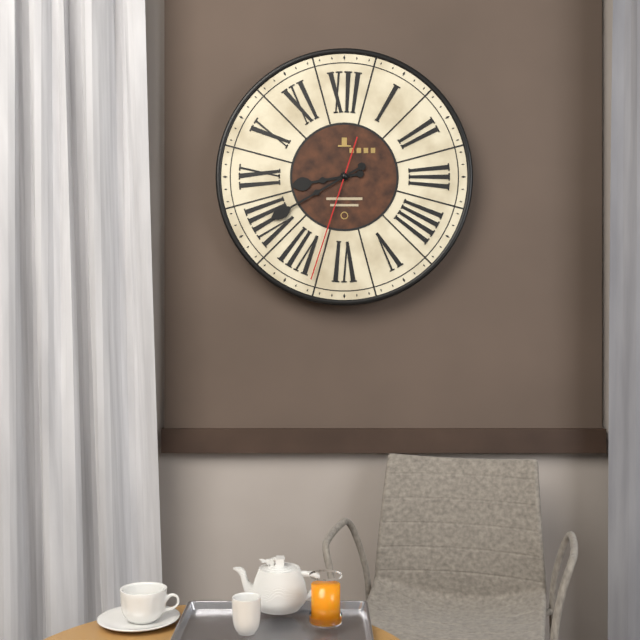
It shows 8h40m33s
